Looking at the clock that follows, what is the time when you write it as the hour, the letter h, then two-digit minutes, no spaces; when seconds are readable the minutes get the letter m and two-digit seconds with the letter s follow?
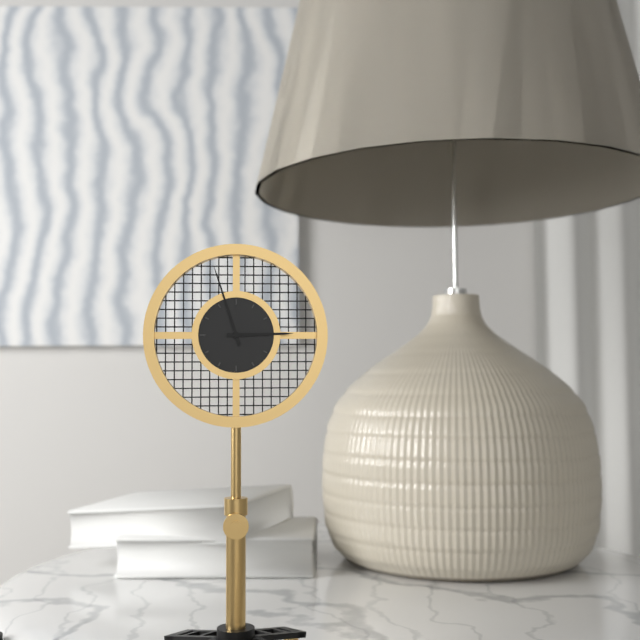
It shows 2h57
